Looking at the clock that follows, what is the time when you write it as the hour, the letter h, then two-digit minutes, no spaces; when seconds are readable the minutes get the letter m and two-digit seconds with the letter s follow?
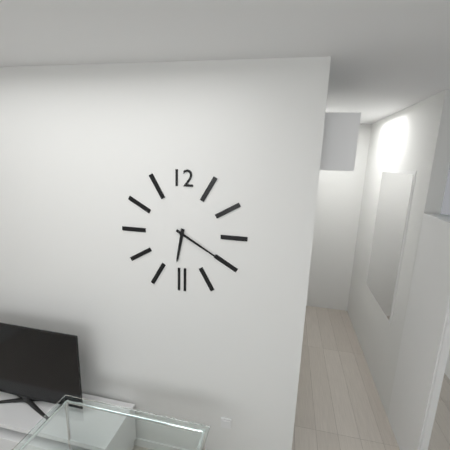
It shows 6h20
